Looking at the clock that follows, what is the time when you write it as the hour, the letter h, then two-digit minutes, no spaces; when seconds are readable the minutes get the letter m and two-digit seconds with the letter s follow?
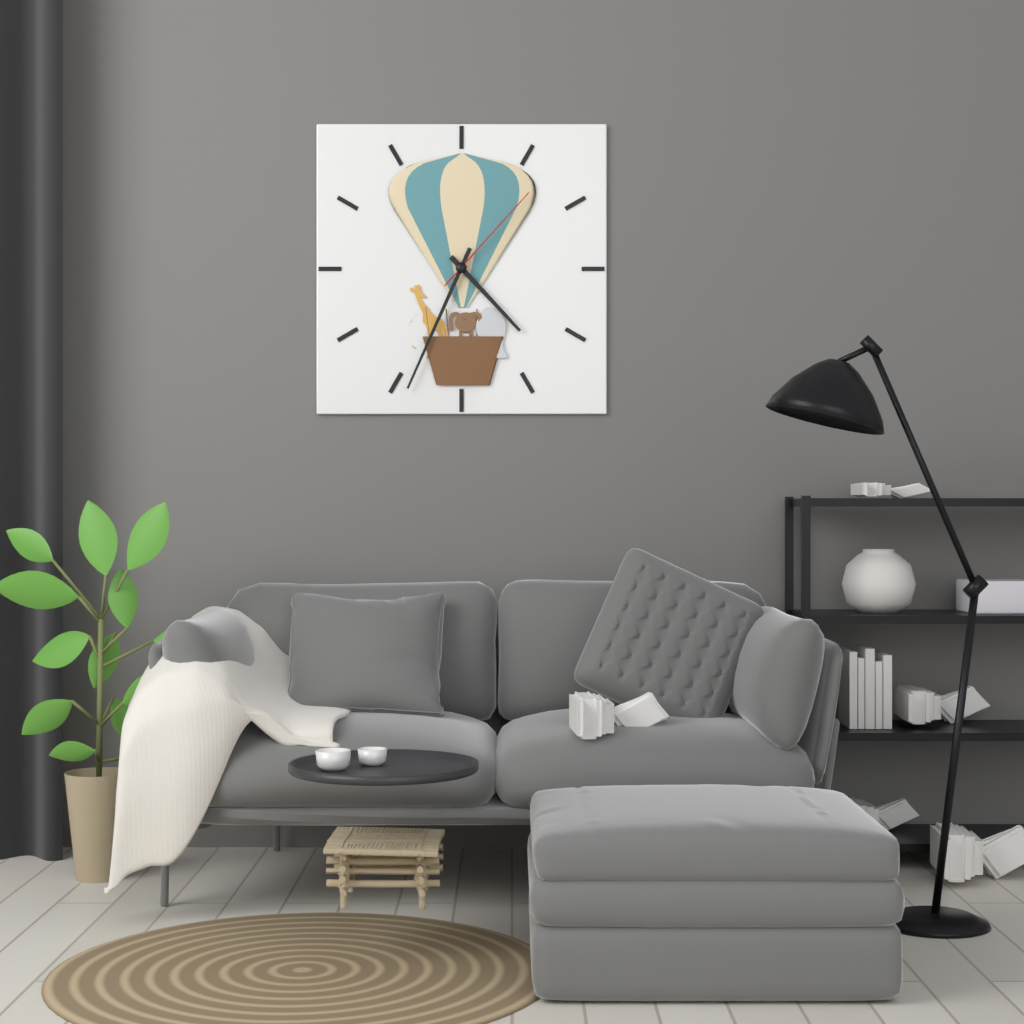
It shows 4h34m07s
